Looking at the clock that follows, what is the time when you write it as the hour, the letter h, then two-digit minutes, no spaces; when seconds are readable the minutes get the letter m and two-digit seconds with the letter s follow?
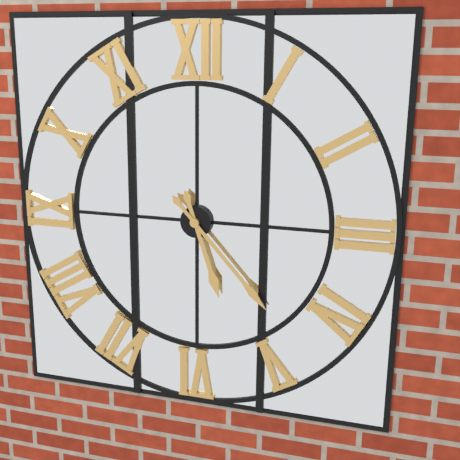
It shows 5h23
